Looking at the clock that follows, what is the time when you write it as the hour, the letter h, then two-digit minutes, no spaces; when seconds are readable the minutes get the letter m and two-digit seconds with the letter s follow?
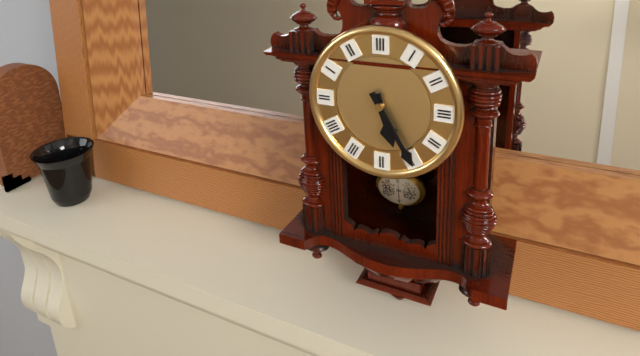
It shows 5h25
